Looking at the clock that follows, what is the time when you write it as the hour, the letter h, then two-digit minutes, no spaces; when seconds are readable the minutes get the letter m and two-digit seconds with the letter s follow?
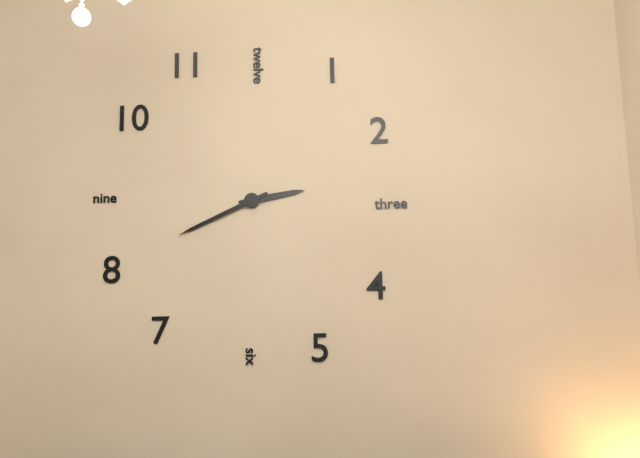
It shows 2h41
